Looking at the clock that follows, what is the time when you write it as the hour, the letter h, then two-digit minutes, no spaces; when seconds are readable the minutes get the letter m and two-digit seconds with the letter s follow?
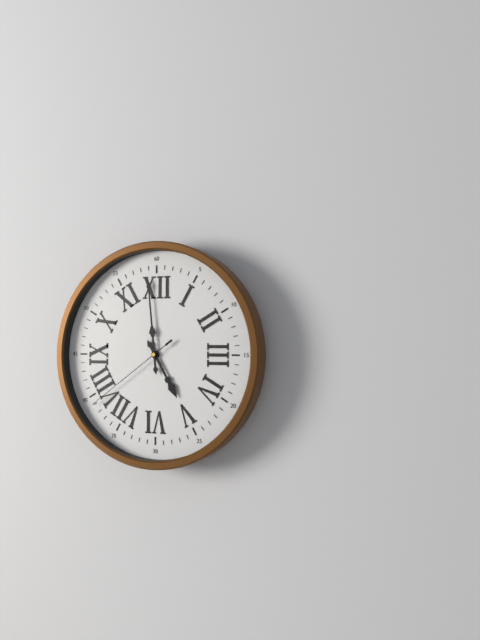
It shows 4h59m39s
